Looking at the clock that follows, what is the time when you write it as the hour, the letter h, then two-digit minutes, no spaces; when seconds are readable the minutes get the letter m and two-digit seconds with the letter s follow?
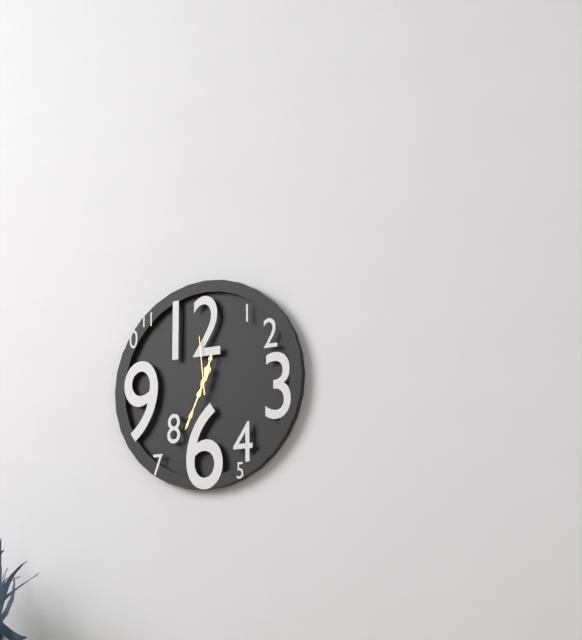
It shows 12h34m59s
